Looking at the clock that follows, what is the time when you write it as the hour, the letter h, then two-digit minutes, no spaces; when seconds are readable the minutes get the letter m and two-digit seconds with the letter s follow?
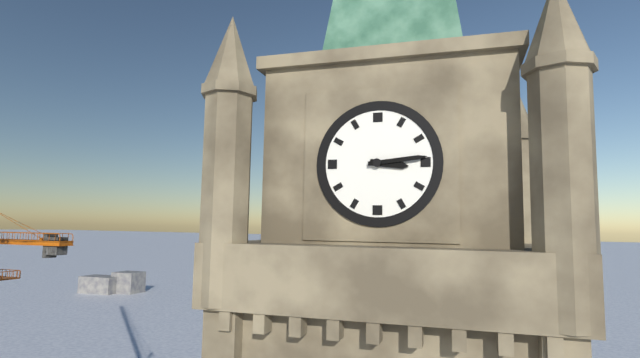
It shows 3h14
